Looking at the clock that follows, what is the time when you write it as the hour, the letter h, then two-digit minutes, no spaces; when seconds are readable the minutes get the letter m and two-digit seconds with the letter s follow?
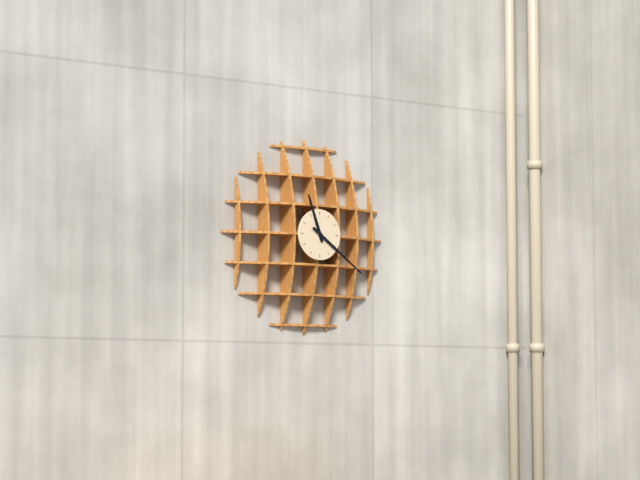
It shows 11h21
